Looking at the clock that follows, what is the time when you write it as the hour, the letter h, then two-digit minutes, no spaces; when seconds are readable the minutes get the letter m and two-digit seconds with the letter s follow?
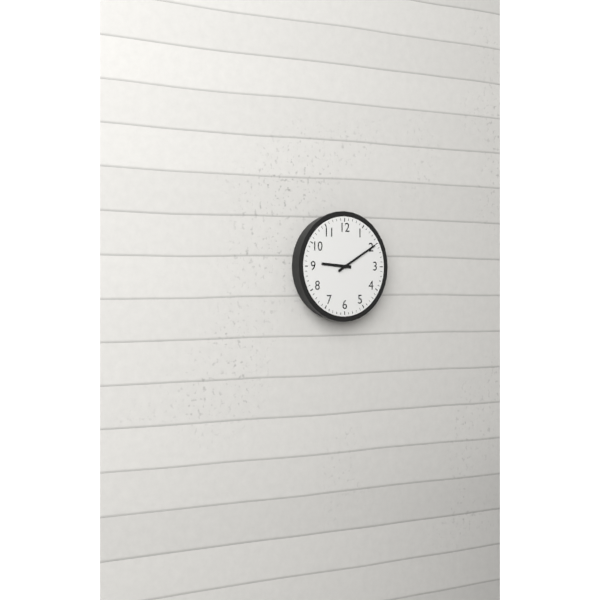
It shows 9h10
